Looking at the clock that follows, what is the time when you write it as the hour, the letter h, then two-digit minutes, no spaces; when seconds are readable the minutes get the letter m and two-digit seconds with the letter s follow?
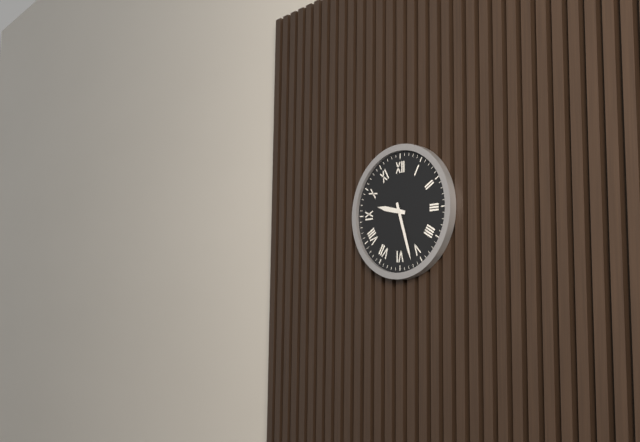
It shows 9h27
